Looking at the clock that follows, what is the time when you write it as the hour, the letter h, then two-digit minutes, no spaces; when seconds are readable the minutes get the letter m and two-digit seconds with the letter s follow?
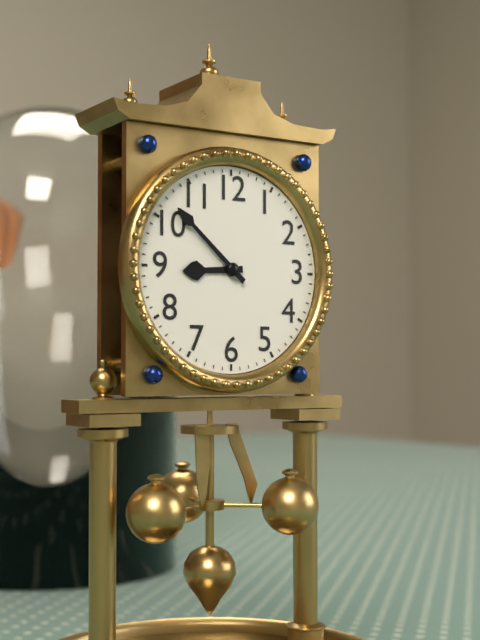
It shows 8h52
